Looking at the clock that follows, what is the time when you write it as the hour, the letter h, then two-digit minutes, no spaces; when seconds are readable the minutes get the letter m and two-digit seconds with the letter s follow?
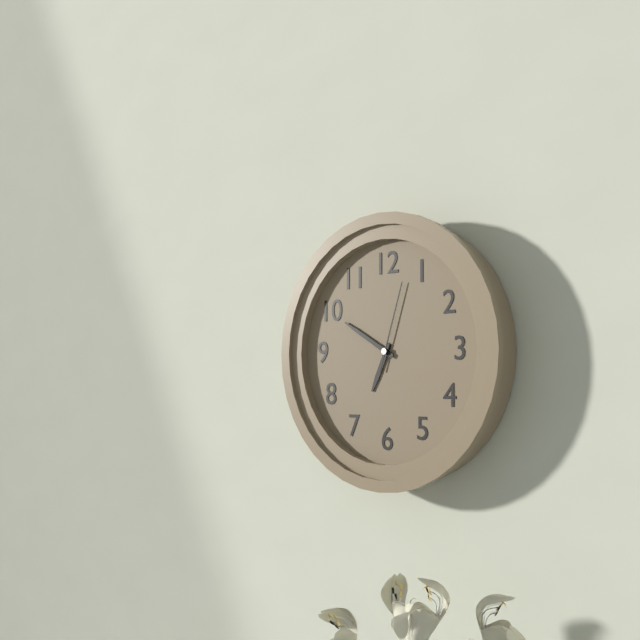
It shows 6h50m03s
